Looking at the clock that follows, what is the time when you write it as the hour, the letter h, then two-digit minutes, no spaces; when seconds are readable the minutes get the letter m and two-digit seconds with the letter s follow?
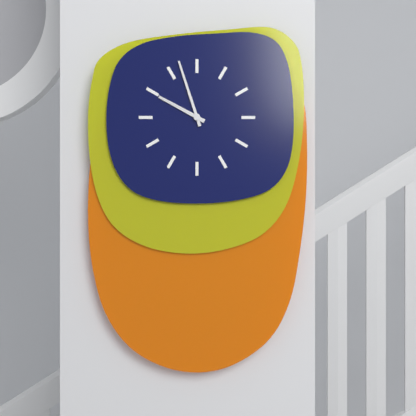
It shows 9h57
